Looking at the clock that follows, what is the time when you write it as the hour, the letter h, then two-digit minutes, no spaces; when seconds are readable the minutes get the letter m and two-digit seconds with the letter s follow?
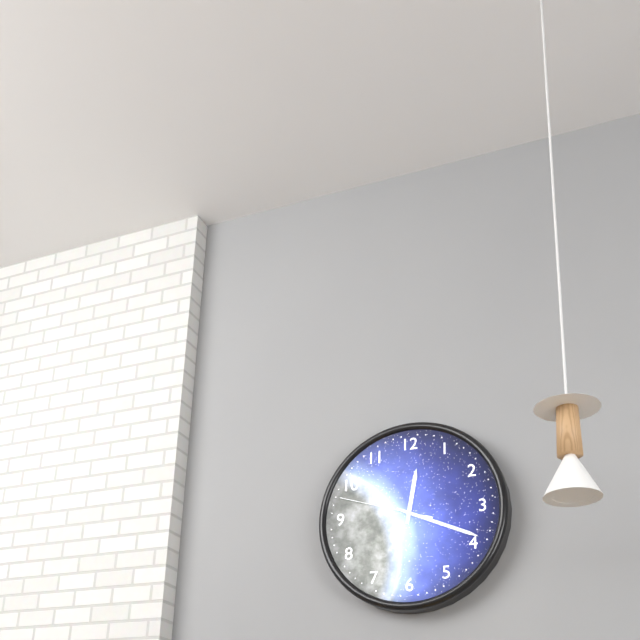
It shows 12h19m48s
